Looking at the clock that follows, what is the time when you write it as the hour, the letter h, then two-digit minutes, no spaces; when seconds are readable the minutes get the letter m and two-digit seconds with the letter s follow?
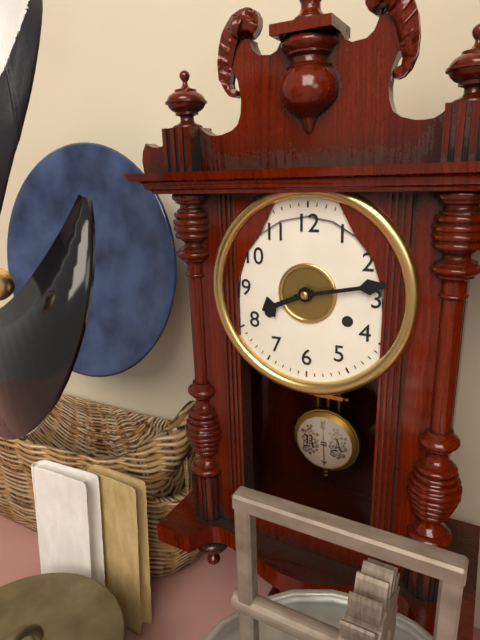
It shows 8h13
